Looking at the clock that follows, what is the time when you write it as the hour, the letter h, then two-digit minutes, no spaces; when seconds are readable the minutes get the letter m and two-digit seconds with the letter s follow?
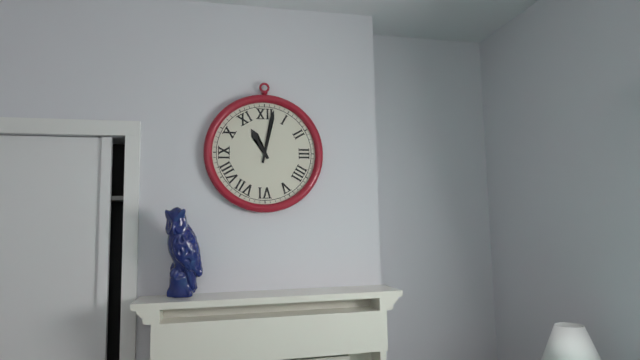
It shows 11h02
